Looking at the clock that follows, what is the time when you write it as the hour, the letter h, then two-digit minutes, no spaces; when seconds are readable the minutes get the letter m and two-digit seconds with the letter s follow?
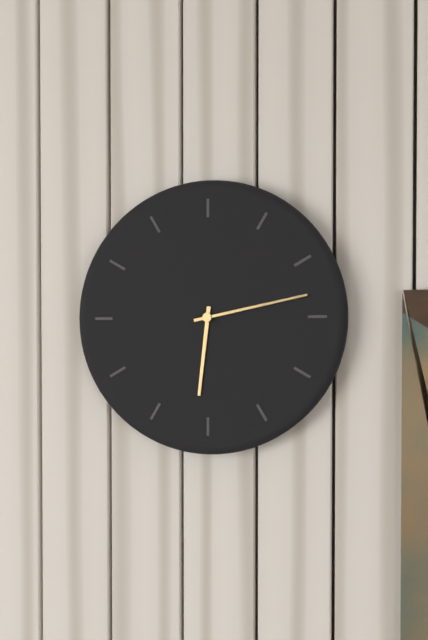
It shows 6h13
